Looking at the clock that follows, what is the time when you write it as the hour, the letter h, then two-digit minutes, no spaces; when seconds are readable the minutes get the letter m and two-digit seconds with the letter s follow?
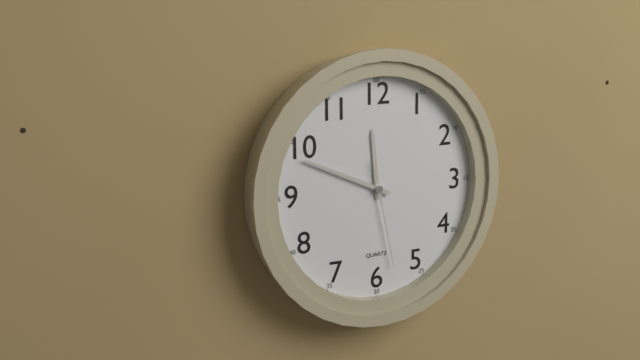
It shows 11h49m28s
